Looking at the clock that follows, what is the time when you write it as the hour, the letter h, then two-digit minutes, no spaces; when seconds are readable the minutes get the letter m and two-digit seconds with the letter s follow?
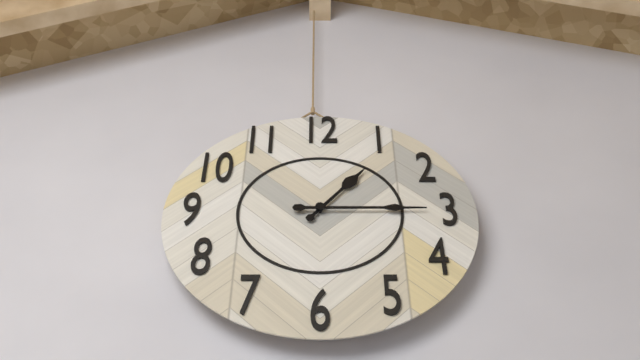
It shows 1h15
